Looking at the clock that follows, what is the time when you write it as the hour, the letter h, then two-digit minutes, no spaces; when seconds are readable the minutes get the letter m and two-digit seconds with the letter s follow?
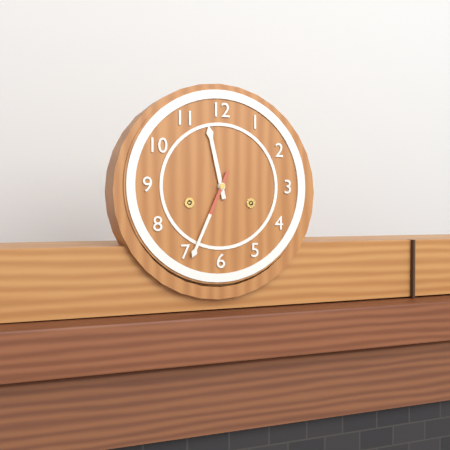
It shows 11h34
